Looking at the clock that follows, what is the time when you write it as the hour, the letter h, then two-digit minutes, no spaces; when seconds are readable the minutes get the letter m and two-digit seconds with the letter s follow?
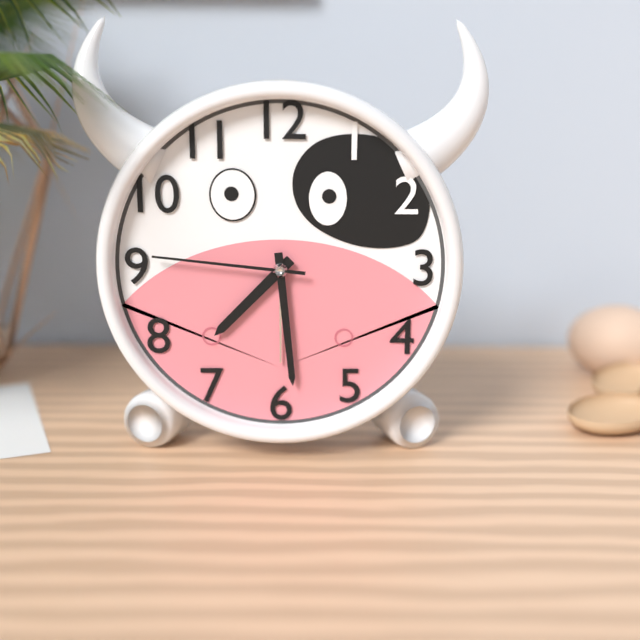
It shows 7h29m46s
